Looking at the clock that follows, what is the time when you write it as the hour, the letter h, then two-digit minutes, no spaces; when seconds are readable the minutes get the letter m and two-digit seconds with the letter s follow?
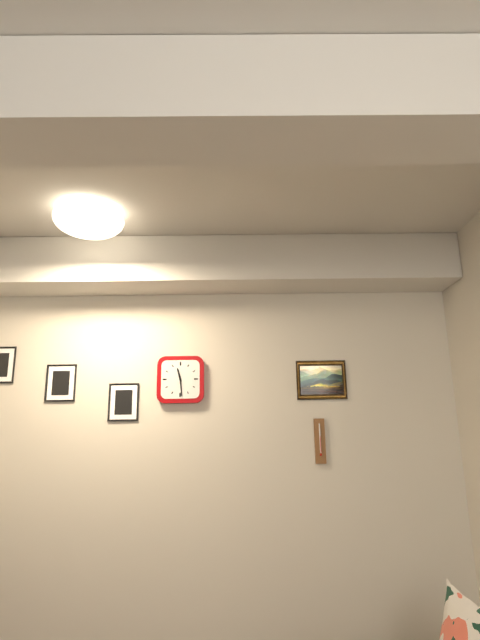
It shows 11h29
